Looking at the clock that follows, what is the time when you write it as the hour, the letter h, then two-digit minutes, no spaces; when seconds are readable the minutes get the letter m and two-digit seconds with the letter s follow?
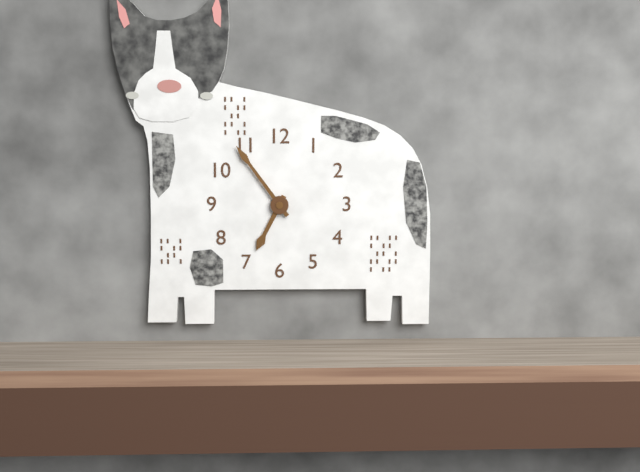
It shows 6h54
